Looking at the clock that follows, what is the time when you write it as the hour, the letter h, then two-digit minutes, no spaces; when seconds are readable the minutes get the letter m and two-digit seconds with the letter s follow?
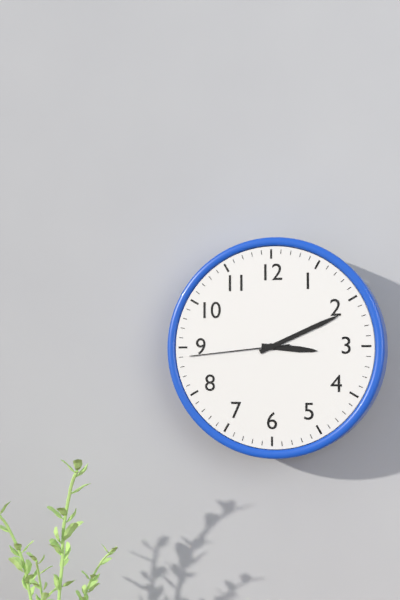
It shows 3h11m44s
